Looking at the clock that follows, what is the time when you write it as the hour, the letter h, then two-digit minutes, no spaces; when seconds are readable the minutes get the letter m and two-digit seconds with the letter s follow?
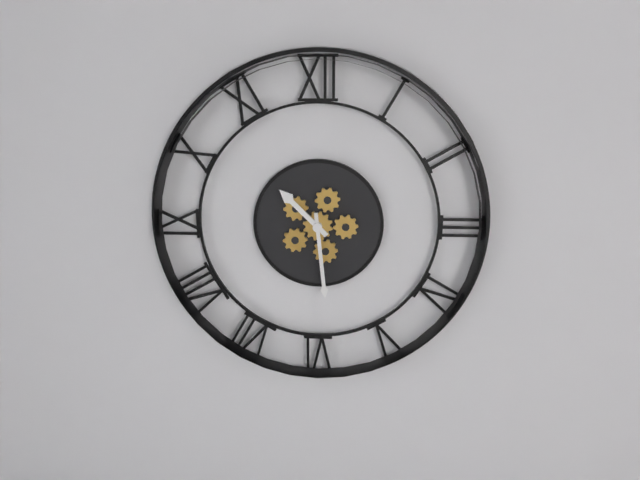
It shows 10h29
